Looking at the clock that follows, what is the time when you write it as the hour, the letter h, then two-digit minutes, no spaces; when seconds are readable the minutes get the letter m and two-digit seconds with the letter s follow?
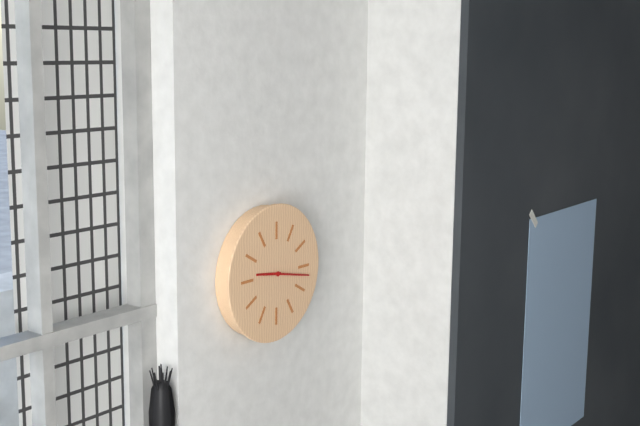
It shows 9h17
